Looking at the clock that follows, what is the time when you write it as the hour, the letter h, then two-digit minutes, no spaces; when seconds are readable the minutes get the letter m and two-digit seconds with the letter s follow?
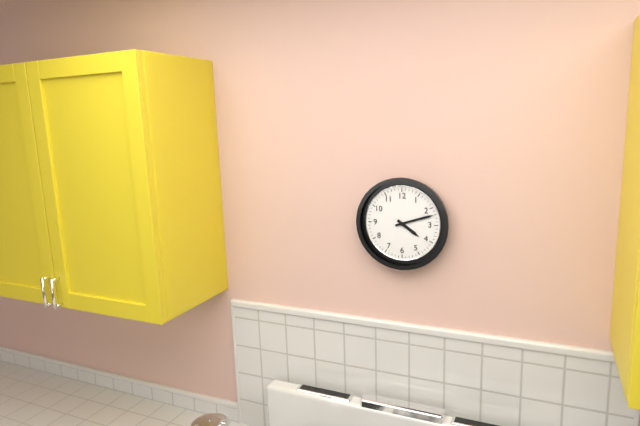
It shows 4h12
